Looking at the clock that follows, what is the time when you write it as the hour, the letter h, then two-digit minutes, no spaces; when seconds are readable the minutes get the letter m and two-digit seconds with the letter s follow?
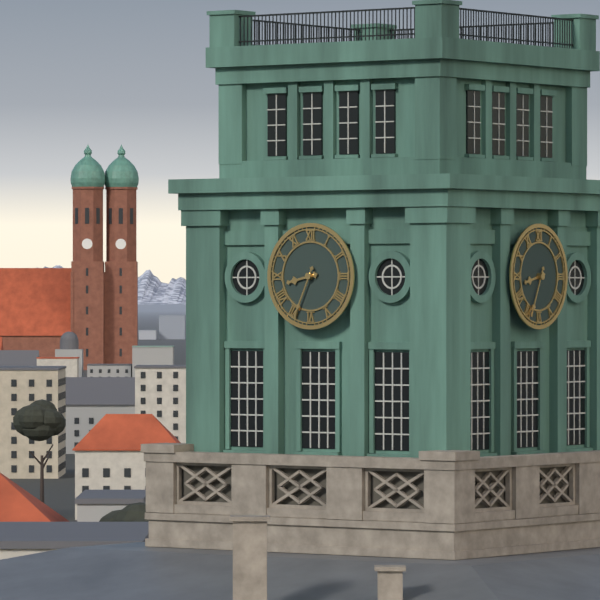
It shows 8h34
